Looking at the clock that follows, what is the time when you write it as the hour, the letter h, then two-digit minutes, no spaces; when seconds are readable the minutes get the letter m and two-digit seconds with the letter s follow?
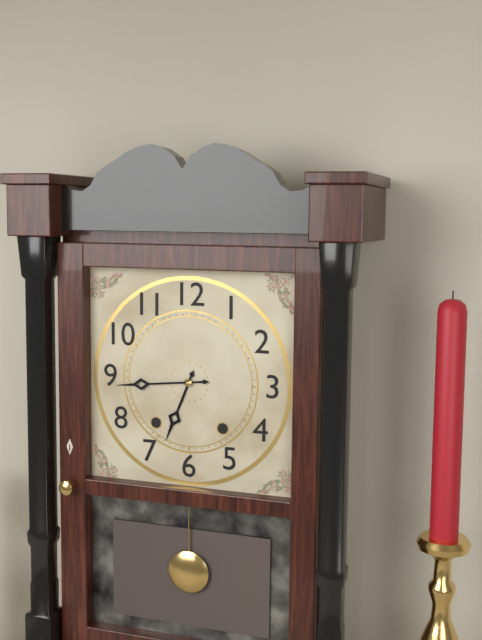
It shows 6h44
